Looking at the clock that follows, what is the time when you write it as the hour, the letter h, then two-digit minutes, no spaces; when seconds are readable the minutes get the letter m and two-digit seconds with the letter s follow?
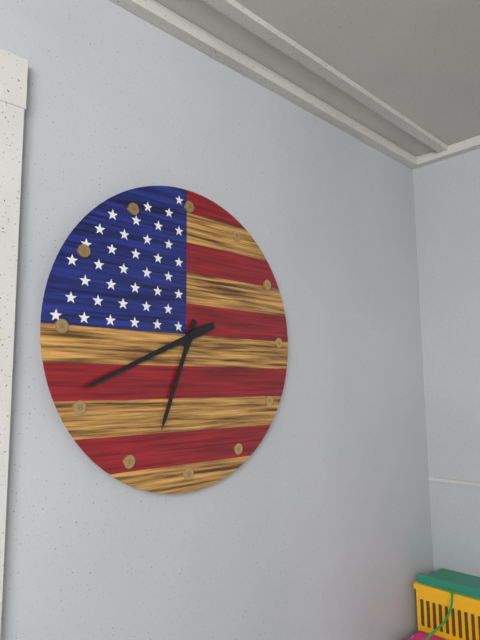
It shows 6h41
